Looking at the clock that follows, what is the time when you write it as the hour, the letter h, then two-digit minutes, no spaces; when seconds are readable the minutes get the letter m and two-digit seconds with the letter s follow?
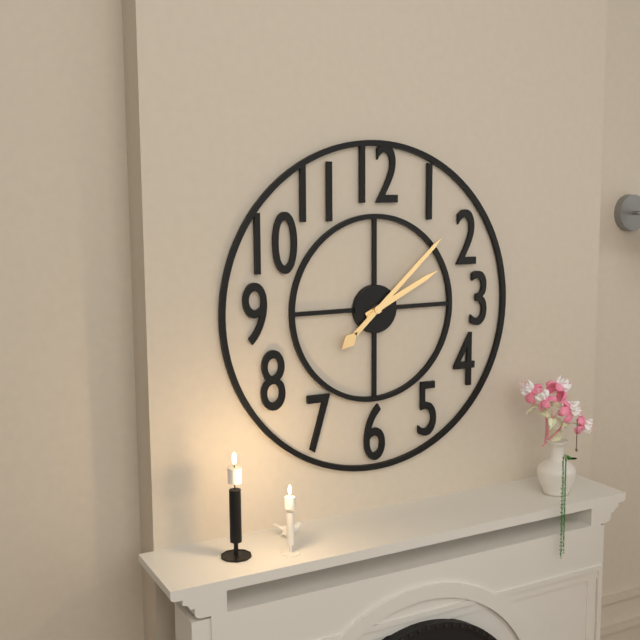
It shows 2h08
